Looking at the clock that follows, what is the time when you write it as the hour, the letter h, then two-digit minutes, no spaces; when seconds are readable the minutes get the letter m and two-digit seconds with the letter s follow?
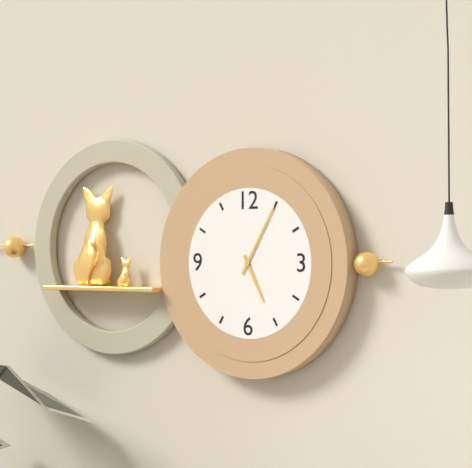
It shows 5h05
